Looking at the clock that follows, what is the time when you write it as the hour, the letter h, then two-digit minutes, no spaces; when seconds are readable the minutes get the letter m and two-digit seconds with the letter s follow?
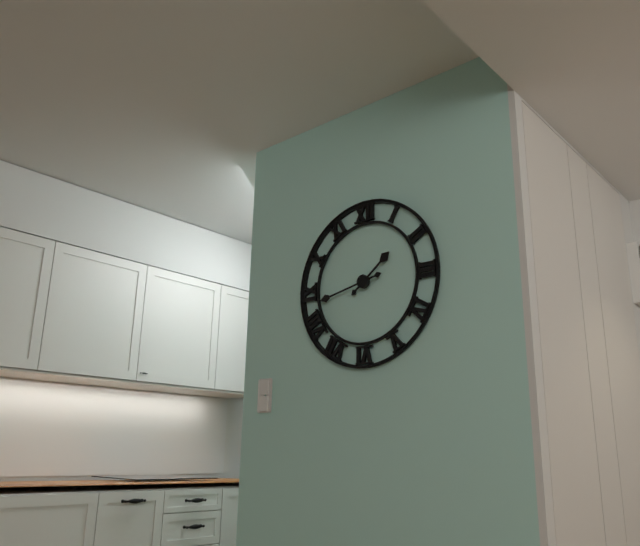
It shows 1h43
